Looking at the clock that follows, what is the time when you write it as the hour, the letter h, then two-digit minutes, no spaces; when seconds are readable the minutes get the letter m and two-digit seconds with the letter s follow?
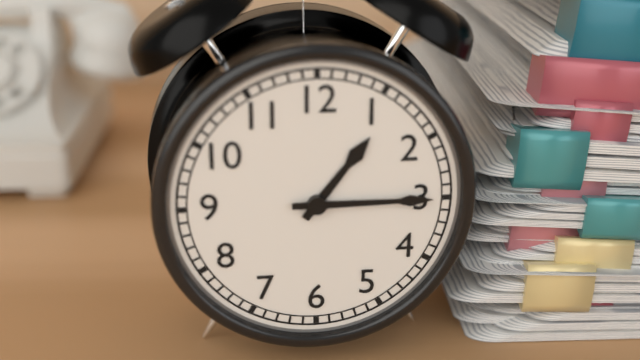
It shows 1h15
